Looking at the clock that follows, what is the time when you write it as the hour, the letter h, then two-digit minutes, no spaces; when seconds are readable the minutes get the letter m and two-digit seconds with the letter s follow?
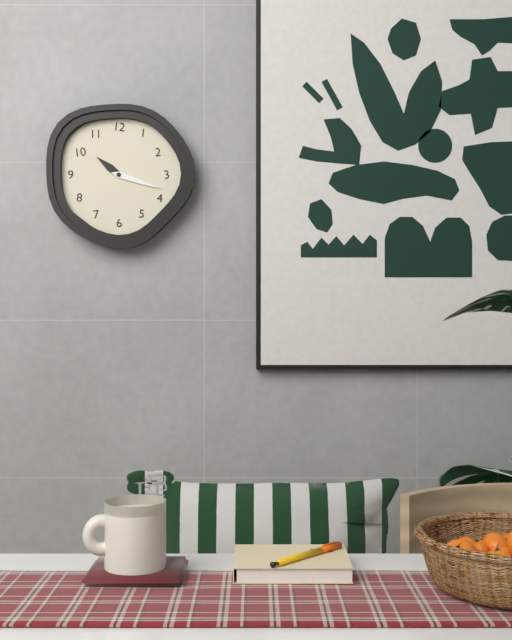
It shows 10h18
